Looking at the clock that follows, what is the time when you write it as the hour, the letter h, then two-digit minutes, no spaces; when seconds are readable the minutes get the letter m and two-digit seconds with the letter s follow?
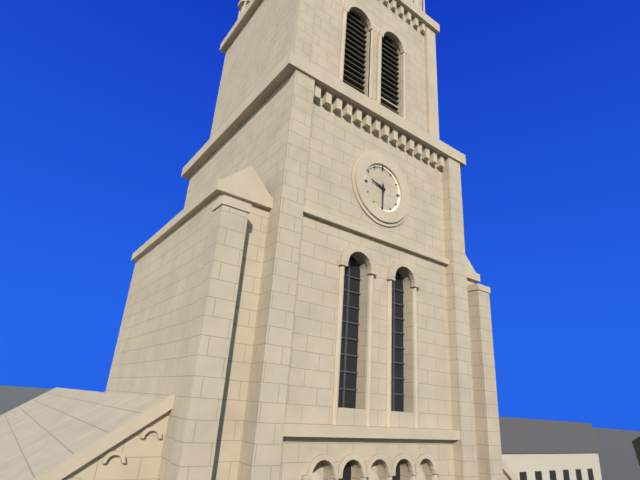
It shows 9h30
